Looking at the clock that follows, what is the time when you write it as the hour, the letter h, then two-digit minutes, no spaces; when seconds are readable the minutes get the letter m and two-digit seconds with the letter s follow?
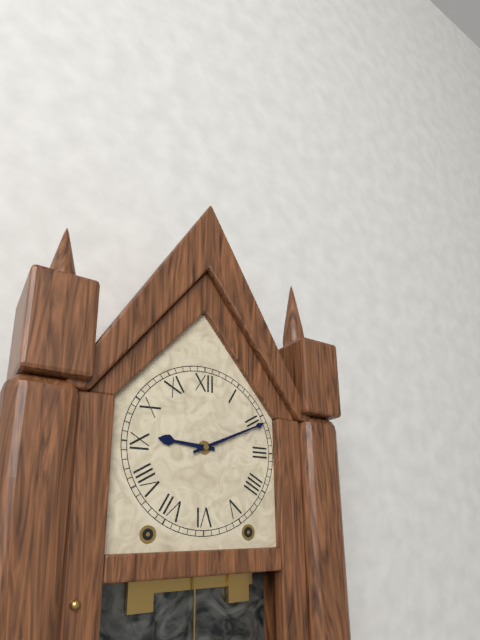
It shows 9h11
